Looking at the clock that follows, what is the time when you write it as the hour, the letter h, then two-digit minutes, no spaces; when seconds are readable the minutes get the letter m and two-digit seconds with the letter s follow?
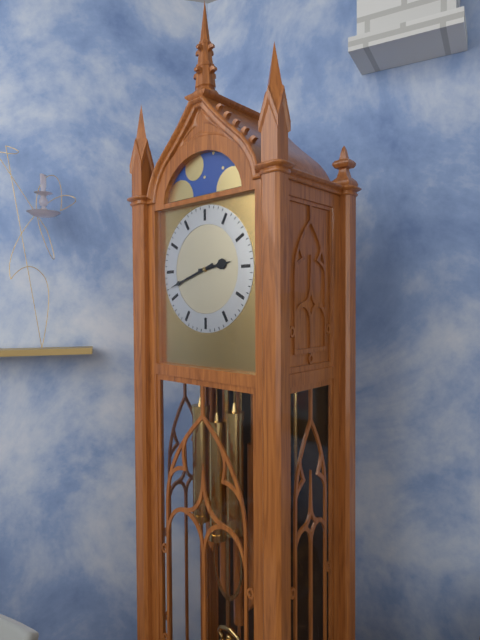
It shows 2h42
